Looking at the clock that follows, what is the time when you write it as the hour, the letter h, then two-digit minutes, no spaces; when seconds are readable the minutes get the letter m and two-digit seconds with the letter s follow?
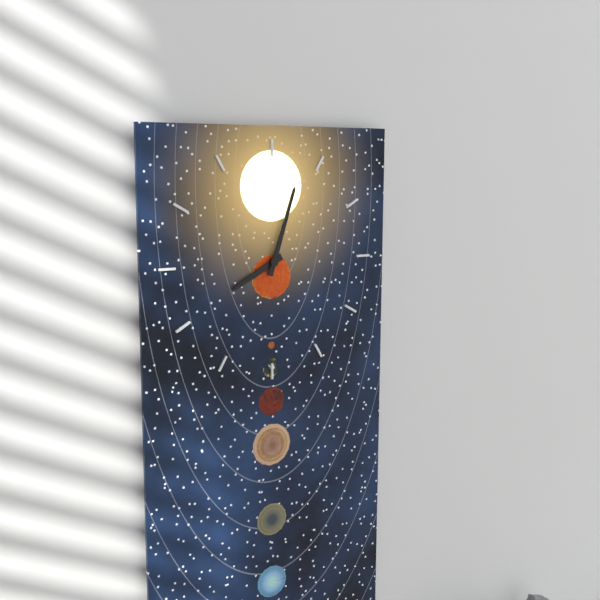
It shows 8h03
